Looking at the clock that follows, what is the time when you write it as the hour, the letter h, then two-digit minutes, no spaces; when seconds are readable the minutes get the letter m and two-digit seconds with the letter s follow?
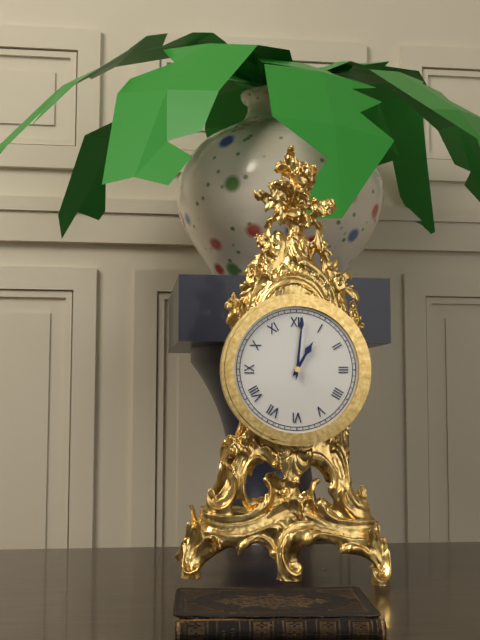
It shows 1h01
